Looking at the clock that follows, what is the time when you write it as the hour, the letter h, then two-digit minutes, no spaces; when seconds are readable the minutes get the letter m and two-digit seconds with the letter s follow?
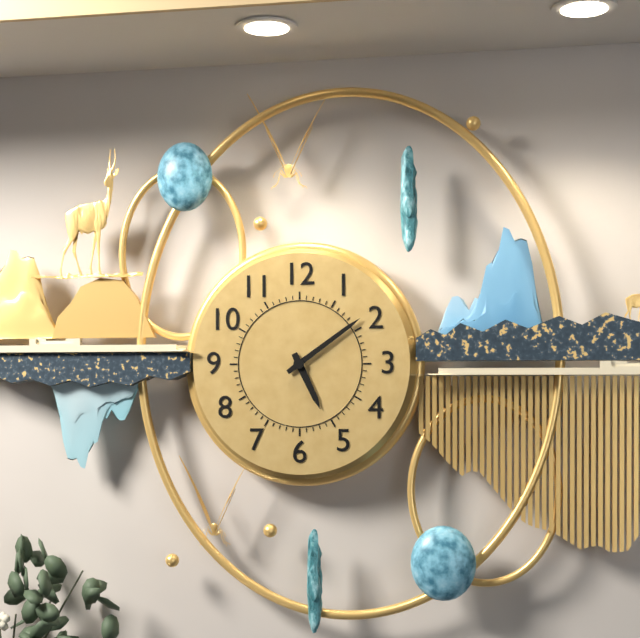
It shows 5h09
